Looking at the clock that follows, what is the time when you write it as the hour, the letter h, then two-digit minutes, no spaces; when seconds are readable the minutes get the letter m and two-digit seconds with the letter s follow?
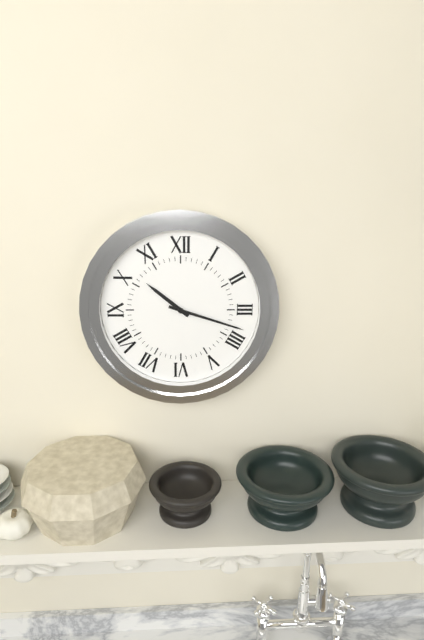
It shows 10h18
